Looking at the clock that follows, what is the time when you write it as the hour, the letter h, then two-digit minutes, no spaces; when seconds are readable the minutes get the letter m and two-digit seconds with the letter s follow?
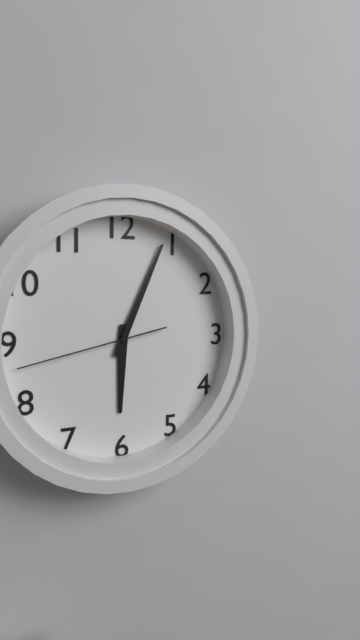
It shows 6h04m43s
